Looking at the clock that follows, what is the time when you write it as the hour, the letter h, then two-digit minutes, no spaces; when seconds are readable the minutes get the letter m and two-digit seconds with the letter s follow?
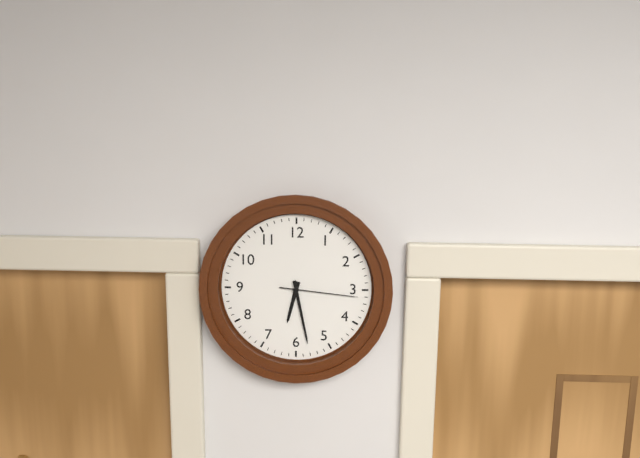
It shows 6h28m16s
